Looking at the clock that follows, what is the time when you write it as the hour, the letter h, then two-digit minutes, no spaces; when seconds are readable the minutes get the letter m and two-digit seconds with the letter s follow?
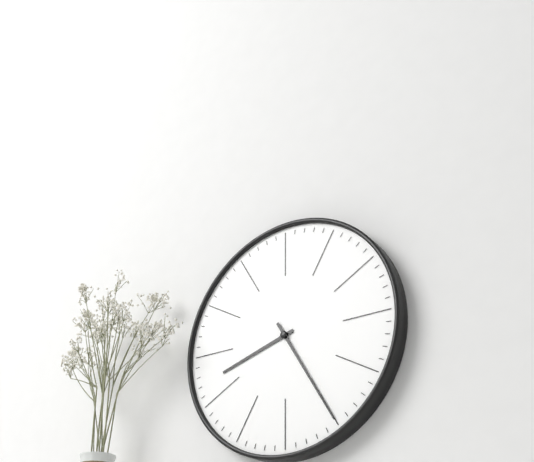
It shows 8h25
